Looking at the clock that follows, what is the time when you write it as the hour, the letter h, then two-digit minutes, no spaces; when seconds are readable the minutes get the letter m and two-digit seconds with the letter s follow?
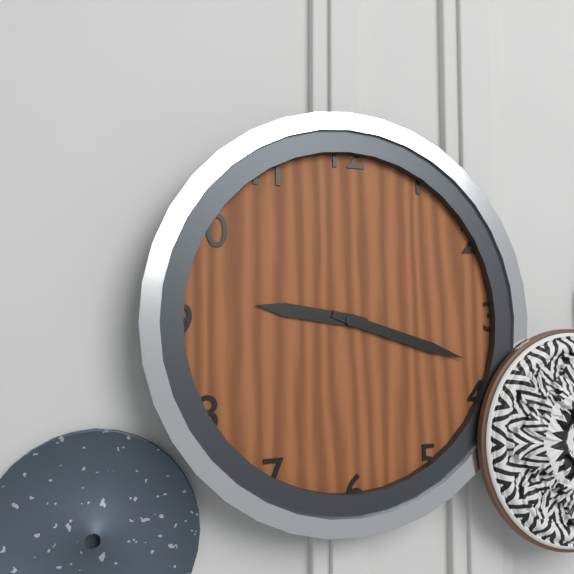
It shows 9h18
